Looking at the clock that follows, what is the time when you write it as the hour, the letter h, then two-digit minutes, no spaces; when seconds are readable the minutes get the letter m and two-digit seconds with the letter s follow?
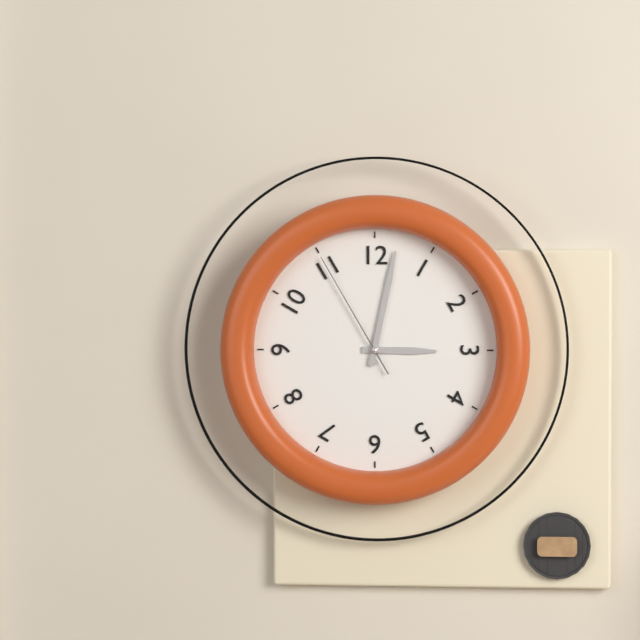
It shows 3h02m55s
